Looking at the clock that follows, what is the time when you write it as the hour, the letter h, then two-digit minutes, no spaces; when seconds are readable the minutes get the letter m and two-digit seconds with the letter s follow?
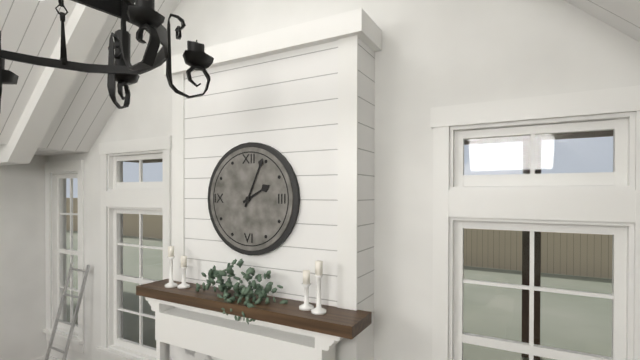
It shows 2h04
